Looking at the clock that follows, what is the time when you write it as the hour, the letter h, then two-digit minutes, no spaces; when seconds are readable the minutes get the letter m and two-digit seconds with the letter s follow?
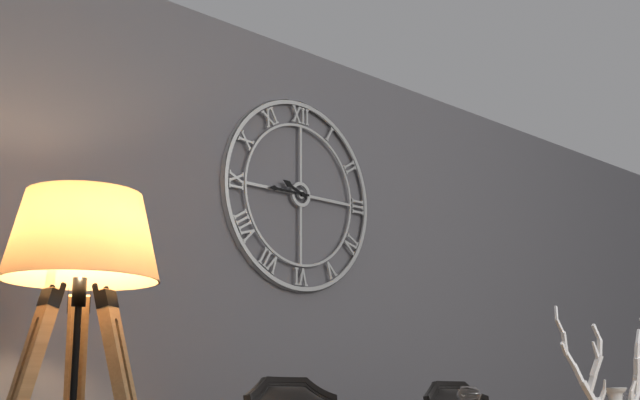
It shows 9h45
